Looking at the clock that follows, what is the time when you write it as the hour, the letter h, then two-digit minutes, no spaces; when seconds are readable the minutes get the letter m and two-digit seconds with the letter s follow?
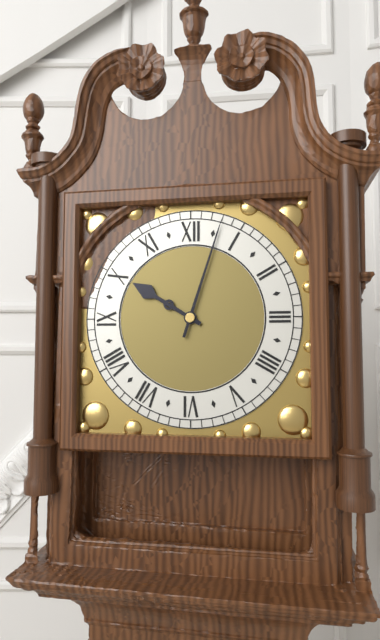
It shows 10h03
